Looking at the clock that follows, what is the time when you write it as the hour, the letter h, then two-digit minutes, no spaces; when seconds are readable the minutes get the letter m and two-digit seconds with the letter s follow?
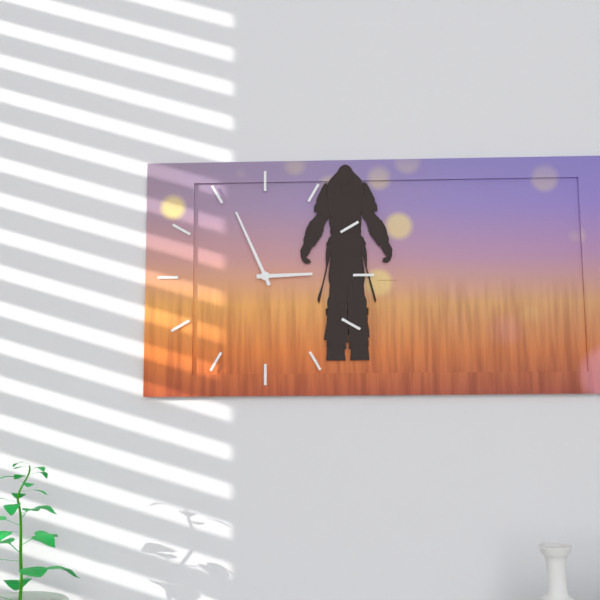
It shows 2h56
